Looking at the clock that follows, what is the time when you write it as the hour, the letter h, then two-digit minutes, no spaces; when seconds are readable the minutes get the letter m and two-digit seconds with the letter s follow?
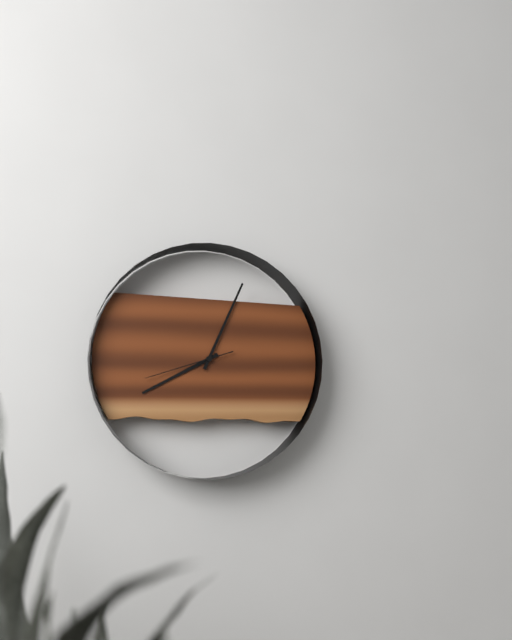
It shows 8h04m42s
